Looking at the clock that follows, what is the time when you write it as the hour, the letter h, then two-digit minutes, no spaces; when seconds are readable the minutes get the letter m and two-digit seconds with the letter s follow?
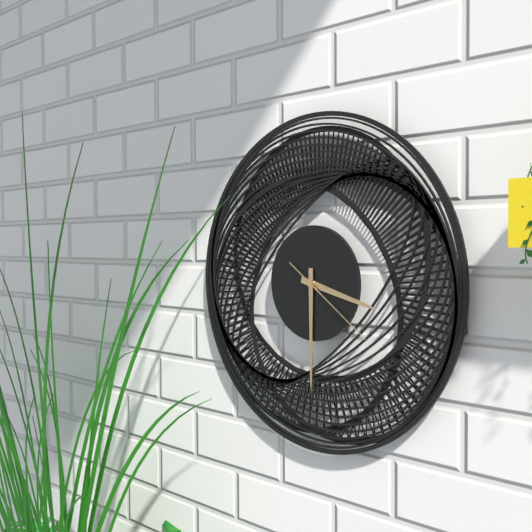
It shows 3h30m21s
